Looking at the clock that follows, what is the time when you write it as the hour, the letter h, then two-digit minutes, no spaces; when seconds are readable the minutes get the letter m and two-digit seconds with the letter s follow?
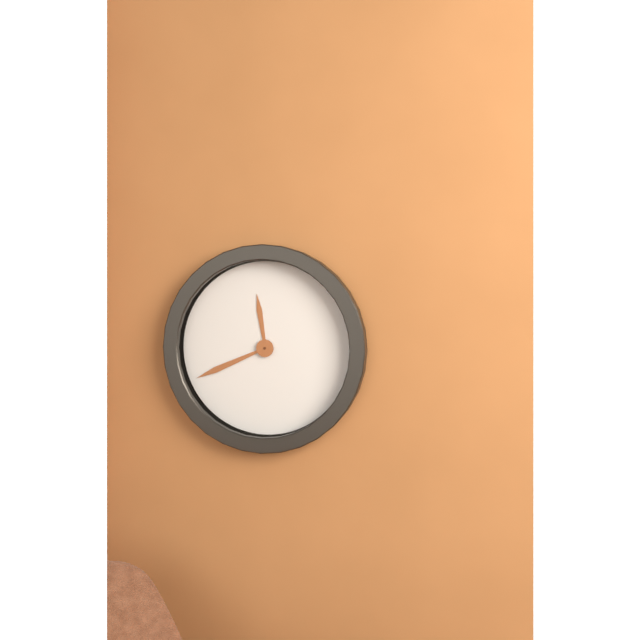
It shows 11h41
